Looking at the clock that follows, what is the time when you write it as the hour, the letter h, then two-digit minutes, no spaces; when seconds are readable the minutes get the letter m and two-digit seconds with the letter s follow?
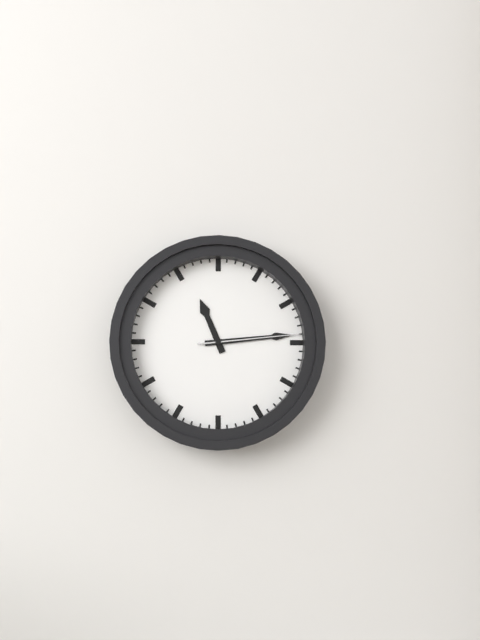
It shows 11h14m14s
